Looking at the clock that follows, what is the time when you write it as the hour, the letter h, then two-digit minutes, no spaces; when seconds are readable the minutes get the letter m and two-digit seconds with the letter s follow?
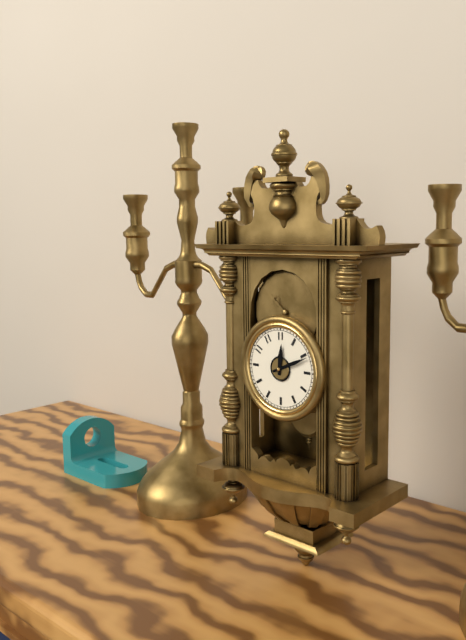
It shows 12h11
